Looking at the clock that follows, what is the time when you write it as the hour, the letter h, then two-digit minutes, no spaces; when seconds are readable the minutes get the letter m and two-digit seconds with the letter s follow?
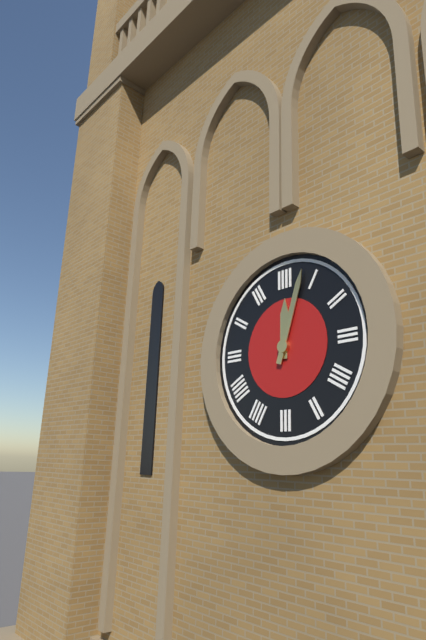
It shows 12h03
